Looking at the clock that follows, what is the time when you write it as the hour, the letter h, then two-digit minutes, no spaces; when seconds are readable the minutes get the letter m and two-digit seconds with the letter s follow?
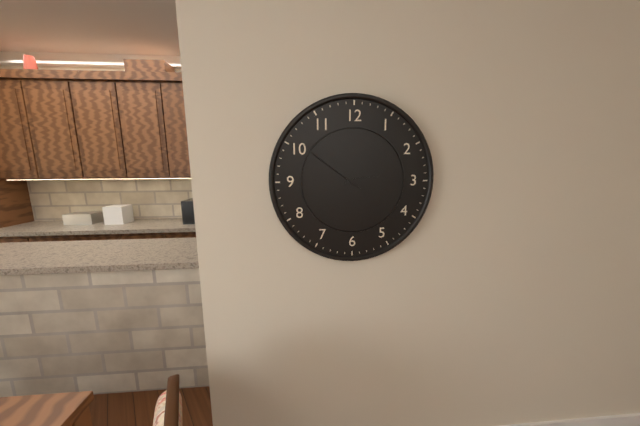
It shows 2h51
